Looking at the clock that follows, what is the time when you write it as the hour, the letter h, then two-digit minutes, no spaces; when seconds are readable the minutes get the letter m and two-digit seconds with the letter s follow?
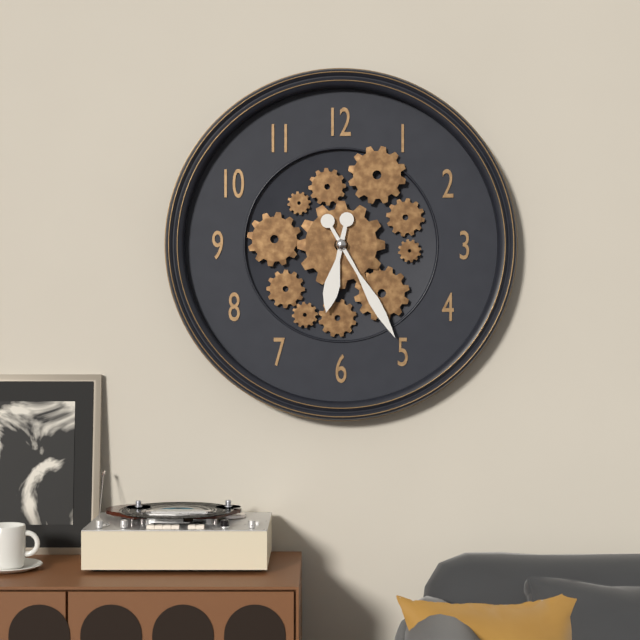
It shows 6h25
